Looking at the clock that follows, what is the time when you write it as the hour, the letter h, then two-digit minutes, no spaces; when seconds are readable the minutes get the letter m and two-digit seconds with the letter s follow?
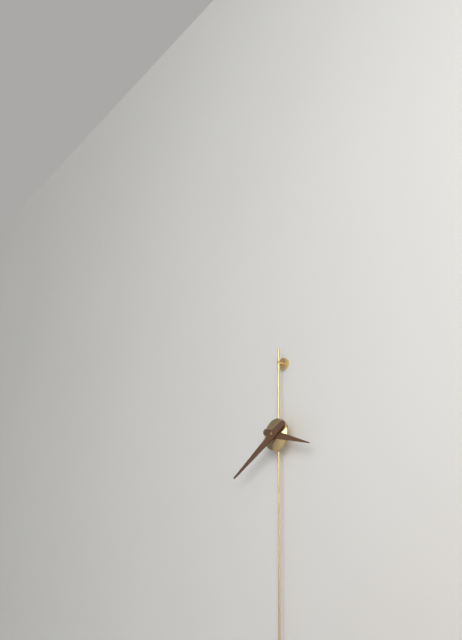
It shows 3h40
